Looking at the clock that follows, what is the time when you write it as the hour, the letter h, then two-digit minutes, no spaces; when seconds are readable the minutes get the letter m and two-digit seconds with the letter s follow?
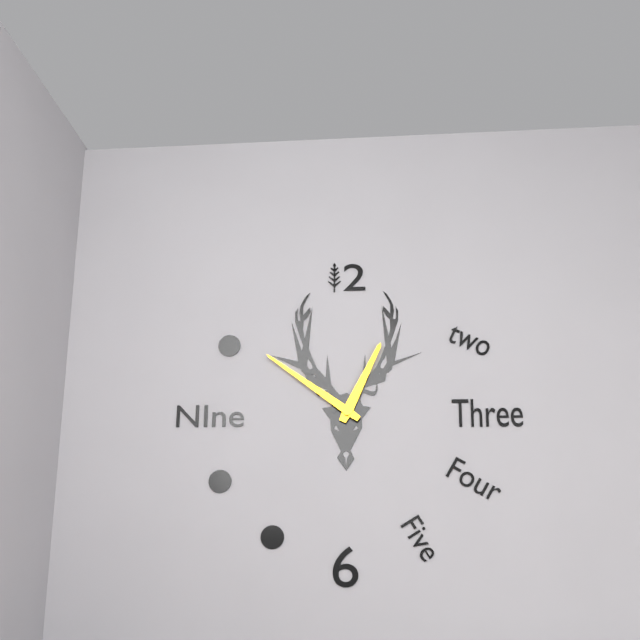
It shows 12h51
